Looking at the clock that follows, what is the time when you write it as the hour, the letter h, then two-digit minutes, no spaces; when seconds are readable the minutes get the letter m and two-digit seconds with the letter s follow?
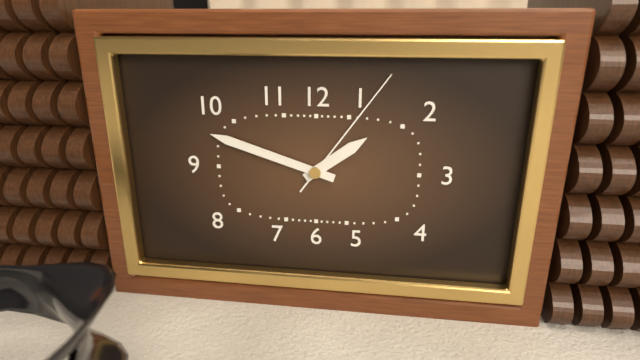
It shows 1h48m06s
